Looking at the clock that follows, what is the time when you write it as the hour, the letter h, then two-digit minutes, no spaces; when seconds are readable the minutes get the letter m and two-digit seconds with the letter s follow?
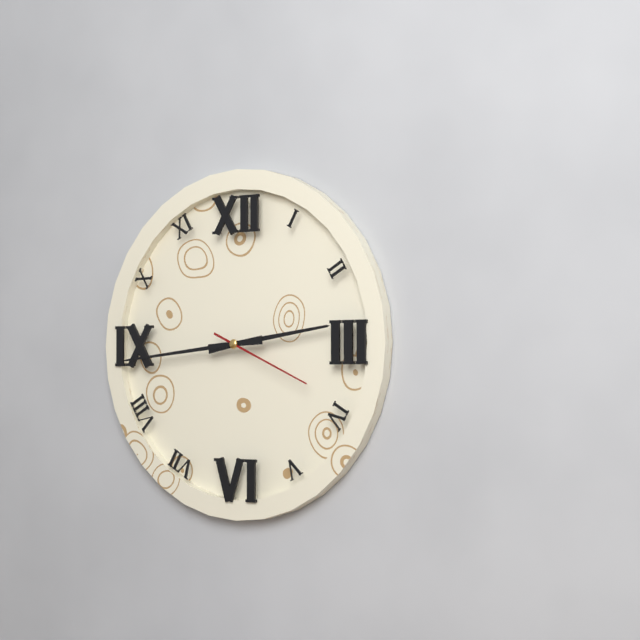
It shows 2h44m19s
